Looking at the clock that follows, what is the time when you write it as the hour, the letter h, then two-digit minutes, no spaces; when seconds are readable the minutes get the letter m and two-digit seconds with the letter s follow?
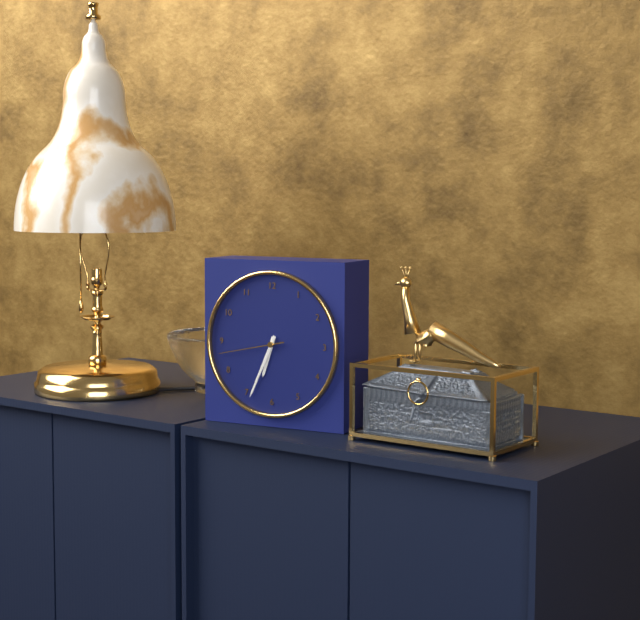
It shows 6h34m43s
